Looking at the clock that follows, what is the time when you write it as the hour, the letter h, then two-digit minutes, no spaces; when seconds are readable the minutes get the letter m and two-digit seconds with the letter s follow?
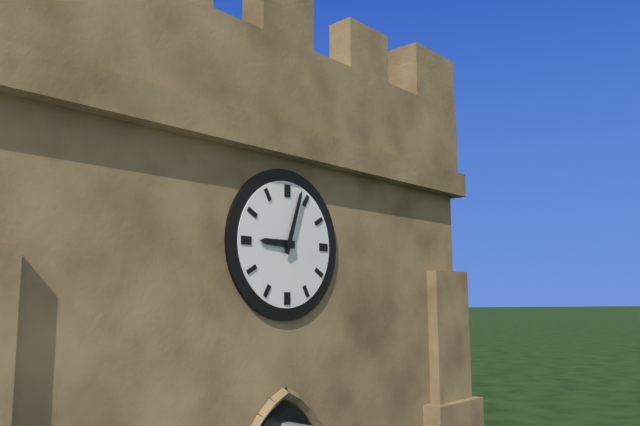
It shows 9h03
